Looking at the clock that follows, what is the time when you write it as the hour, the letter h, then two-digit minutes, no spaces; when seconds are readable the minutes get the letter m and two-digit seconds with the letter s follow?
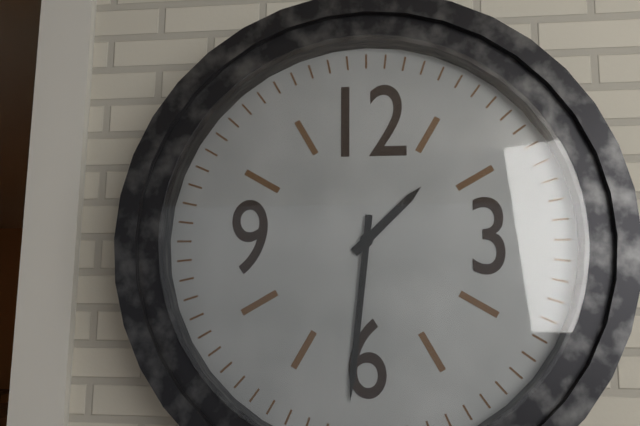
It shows 1h31
